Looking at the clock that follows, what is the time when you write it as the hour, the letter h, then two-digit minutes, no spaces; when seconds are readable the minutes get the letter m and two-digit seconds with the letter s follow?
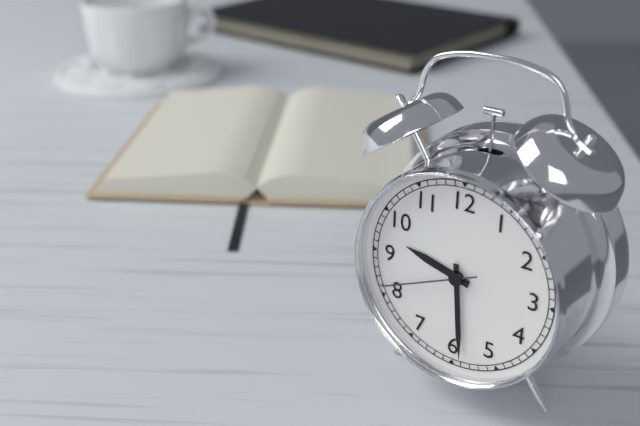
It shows 9h29m41s
